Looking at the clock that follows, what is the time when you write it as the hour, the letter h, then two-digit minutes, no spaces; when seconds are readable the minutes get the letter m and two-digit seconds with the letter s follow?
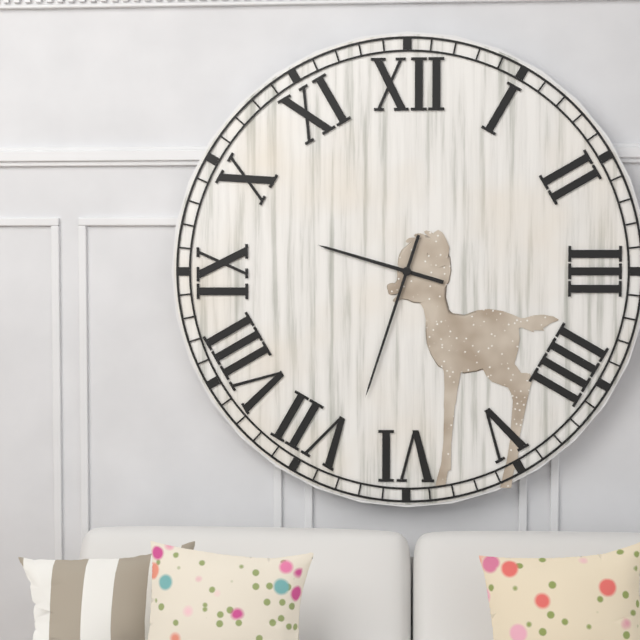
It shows 9h33
